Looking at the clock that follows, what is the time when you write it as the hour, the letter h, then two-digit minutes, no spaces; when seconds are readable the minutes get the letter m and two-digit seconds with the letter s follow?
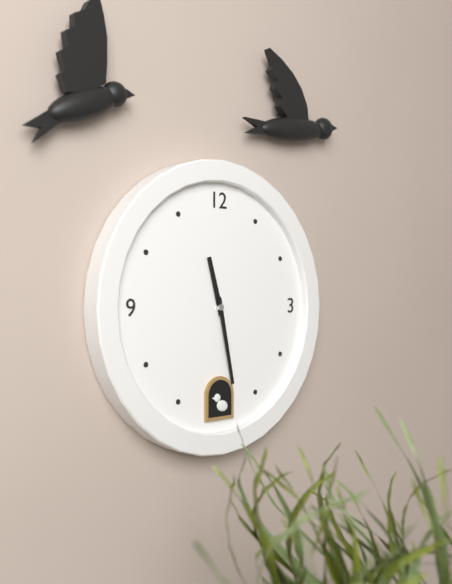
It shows 11h28
